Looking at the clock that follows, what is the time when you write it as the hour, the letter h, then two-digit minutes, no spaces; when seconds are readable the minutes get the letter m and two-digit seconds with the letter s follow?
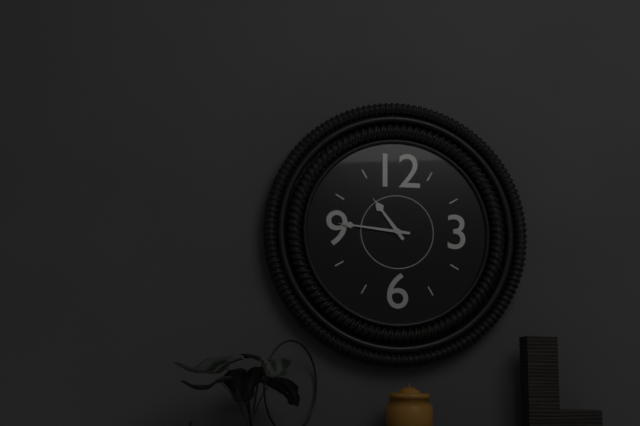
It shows 10h46
